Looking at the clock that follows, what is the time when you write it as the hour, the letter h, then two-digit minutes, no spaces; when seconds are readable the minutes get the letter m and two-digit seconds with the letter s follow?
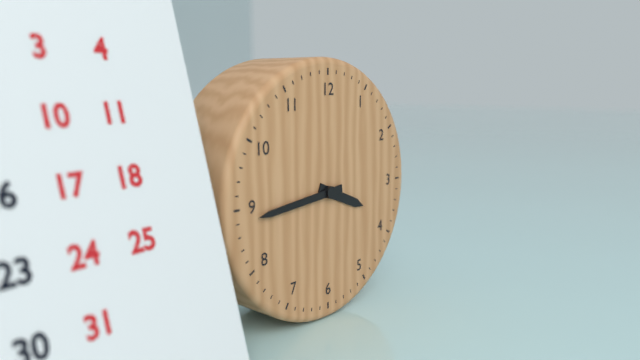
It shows 3h44
